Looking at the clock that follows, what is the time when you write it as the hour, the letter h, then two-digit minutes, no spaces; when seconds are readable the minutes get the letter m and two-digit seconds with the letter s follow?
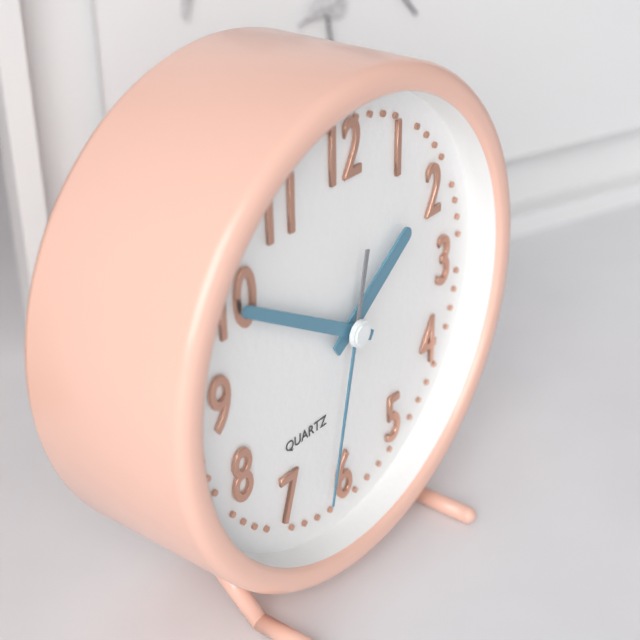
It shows 1h50m32s
